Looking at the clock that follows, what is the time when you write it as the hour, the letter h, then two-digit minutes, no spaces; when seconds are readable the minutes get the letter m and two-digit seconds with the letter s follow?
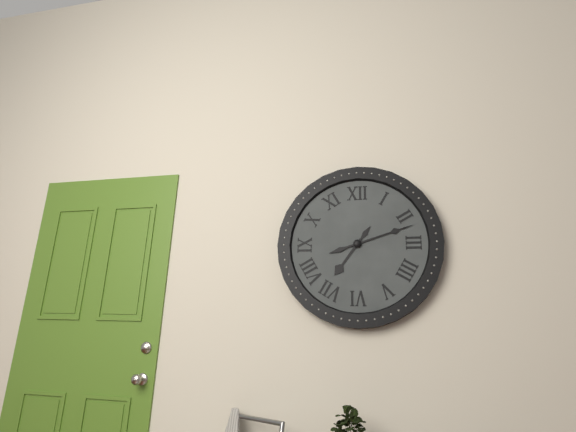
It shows 7h12
